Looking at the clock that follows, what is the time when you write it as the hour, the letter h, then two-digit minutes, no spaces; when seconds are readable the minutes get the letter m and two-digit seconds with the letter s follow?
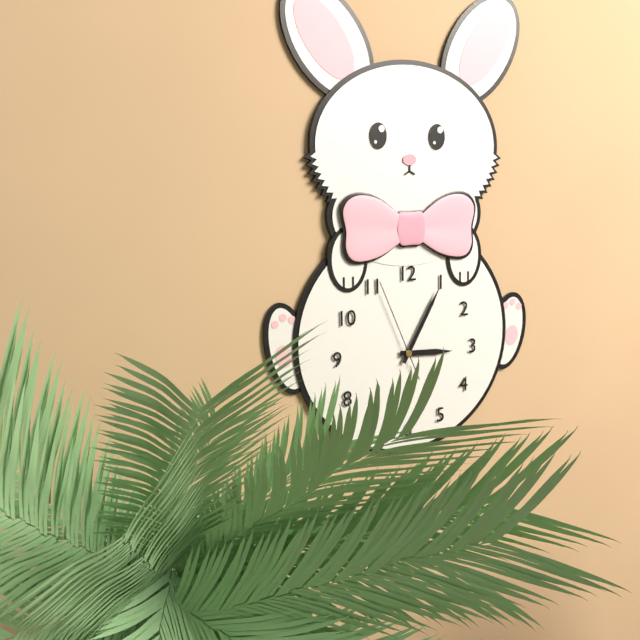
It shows 3h05m56s
